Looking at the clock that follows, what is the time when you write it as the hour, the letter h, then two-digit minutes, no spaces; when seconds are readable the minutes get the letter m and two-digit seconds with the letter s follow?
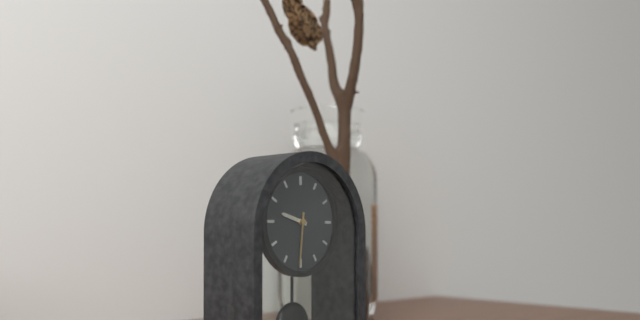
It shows 9h31
